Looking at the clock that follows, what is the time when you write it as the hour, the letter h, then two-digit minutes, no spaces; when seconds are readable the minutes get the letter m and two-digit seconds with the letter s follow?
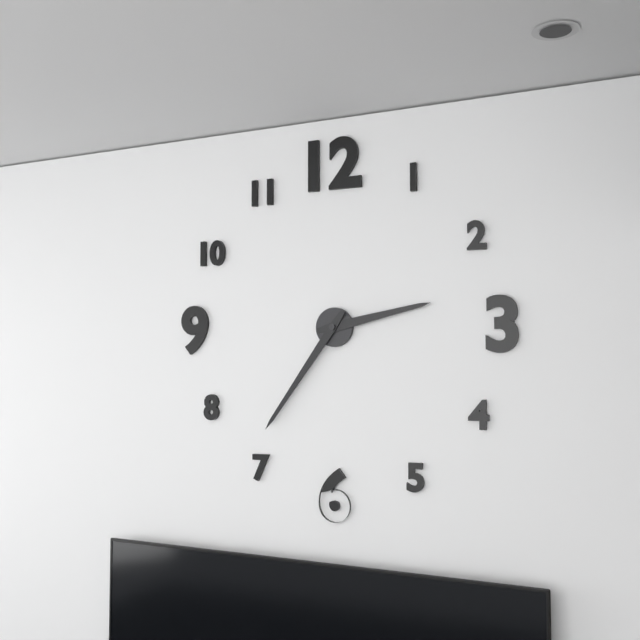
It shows 2h36
